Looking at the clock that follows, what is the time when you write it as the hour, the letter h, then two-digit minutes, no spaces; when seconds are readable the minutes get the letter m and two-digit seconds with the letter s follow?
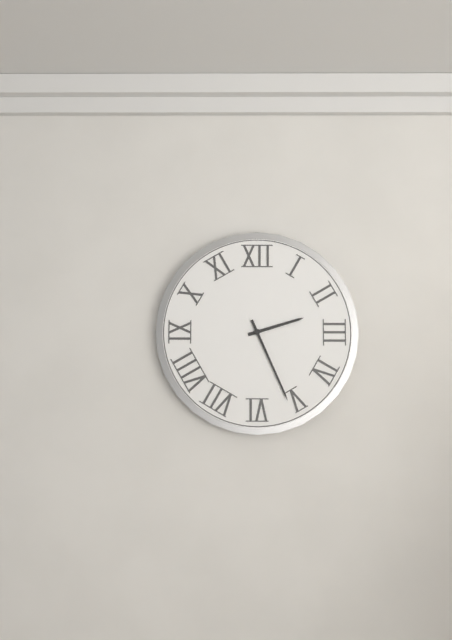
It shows 2h26
